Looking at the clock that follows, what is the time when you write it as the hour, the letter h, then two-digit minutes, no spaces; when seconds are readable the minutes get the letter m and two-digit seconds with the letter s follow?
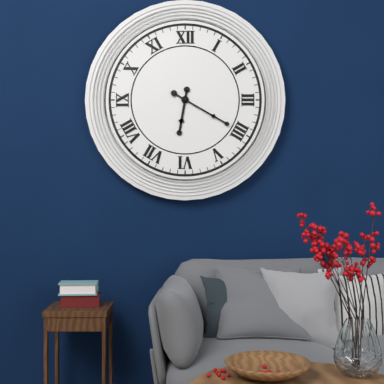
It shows 6h20
